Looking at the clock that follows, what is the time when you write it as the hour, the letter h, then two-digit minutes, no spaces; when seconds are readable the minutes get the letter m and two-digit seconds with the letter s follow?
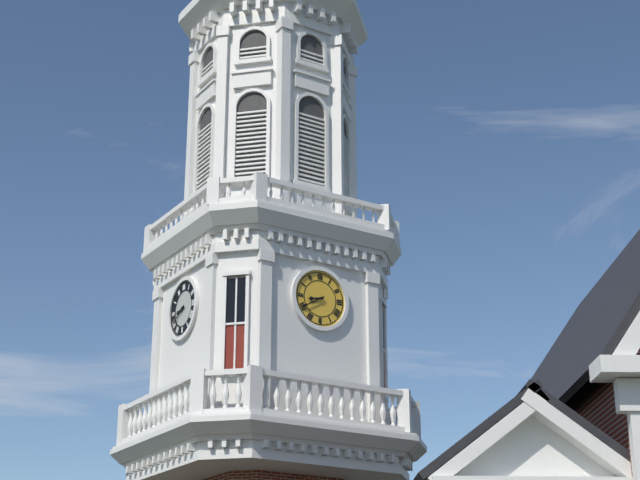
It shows 8h40
